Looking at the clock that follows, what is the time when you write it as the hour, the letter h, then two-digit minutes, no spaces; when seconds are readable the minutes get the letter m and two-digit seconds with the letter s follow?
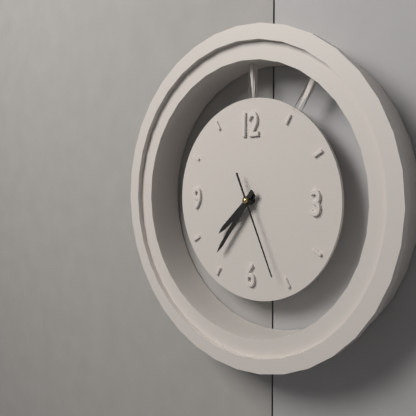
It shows 7h36m26s
